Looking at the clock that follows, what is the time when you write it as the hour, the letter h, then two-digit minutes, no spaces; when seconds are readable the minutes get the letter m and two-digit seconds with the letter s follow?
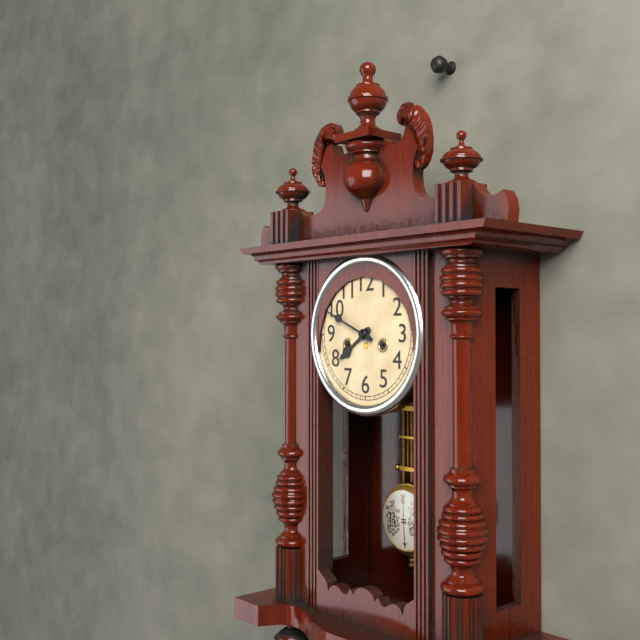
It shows 7h49
